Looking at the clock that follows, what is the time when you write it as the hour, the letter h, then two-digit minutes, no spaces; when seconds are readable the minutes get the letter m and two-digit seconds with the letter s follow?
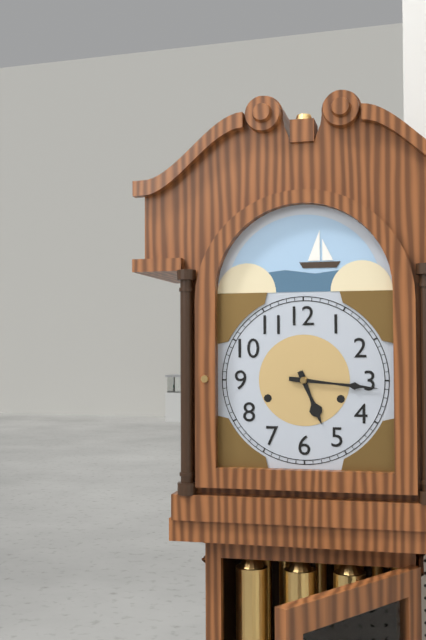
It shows 5h16
